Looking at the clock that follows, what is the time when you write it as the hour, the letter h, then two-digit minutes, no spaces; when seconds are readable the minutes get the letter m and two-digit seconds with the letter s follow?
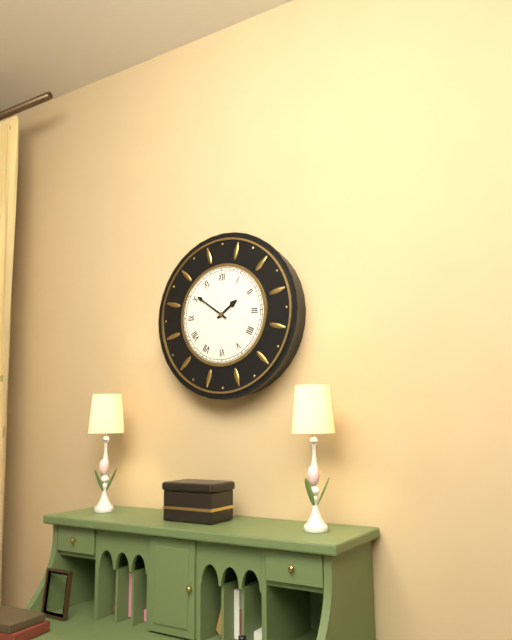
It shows 1h51
